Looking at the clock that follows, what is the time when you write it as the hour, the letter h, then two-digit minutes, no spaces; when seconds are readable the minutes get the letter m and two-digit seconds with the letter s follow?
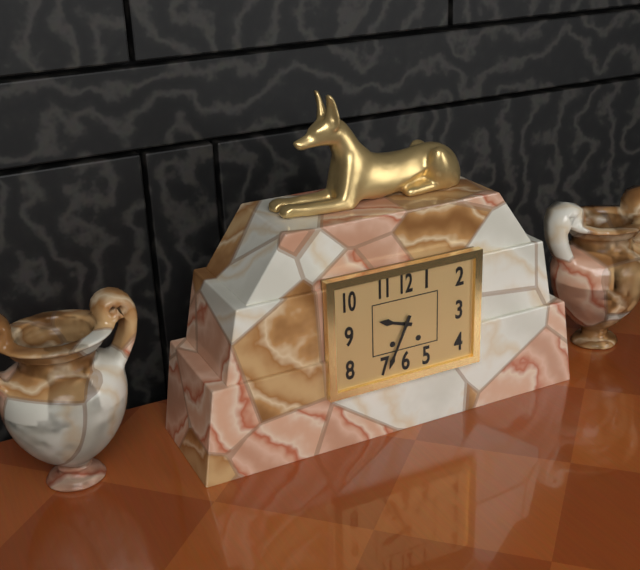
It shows 9h34
